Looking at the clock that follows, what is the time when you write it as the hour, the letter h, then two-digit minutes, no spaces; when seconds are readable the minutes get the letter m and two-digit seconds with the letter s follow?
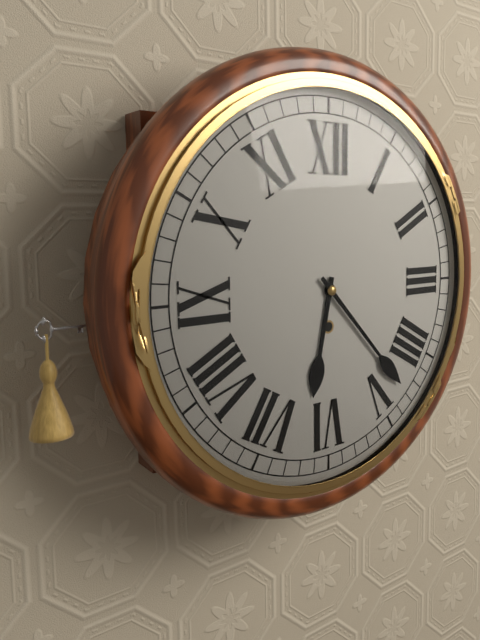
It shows 6h23
